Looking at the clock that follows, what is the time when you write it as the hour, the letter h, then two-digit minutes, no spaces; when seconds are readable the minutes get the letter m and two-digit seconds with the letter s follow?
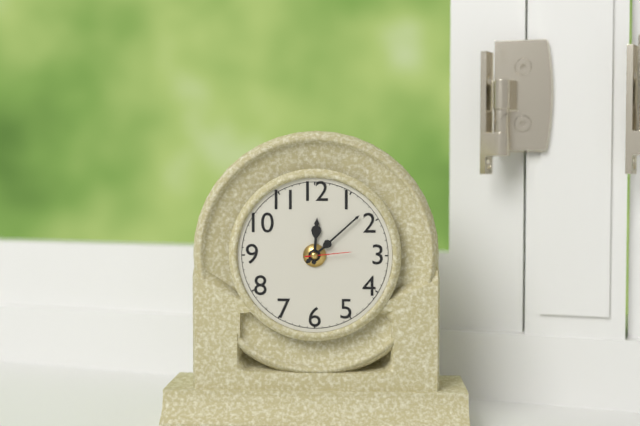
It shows 12h08
